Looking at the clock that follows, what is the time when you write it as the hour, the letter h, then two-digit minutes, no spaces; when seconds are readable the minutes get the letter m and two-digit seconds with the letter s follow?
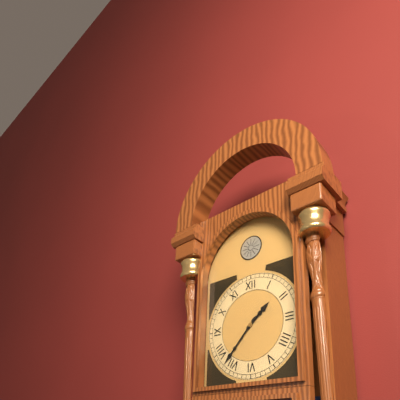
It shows 1h37
